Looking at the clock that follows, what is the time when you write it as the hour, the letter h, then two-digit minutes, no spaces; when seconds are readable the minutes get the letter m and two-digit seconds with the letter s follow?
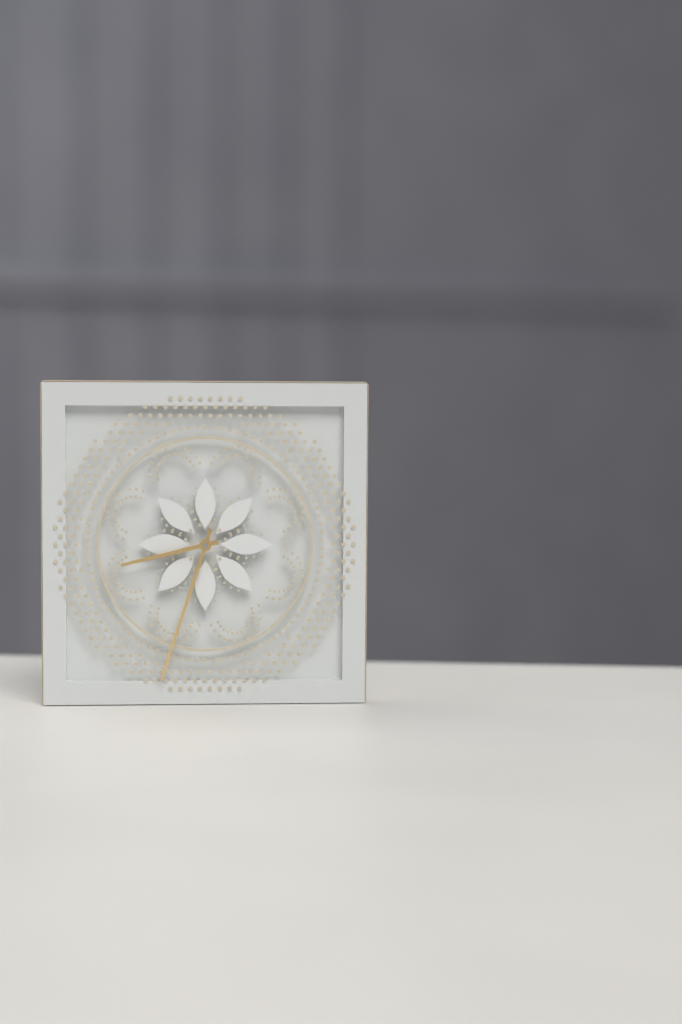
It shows 8h33
